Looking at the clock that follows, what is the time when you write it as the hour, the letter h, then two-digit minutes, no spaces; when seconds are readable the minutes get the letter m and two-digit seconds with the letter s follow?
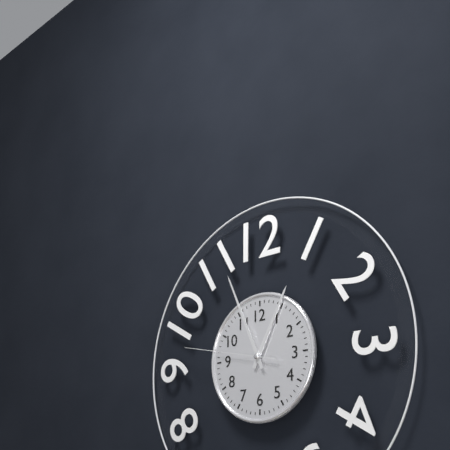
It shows 12h56m47s
